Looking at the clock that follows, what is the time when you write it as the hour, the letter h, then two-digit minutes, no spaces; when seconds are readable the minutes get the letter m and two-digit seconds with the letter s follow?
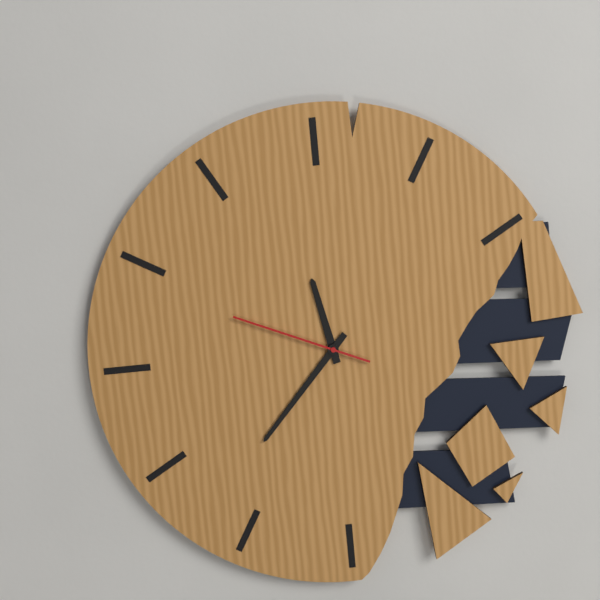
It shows 11h37m49s
